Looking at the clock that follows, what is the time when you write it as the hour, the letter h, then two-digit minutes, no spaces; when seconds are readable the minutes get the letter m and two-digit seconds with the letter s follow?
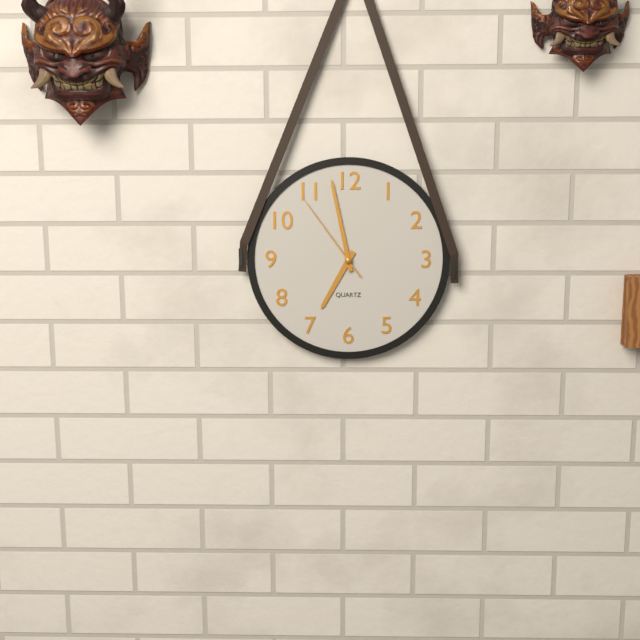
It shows 6h58m54s
